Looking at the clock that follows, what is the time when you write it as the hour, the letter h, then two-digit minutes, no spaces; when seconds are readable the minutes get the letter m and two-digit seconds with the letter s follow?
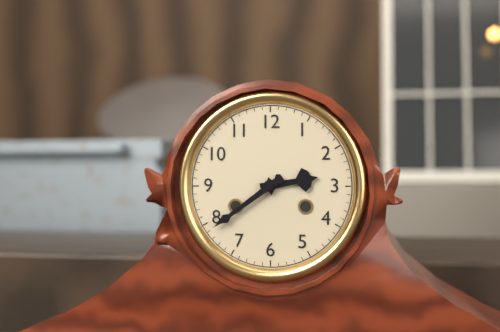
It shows 2h39
